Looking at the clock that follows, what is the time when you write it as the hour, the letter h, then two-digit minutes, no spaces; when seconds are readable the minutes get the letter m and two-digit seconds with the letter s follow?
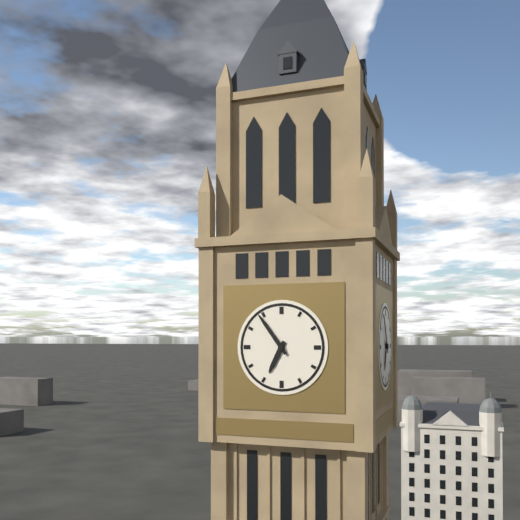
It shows 6h54
